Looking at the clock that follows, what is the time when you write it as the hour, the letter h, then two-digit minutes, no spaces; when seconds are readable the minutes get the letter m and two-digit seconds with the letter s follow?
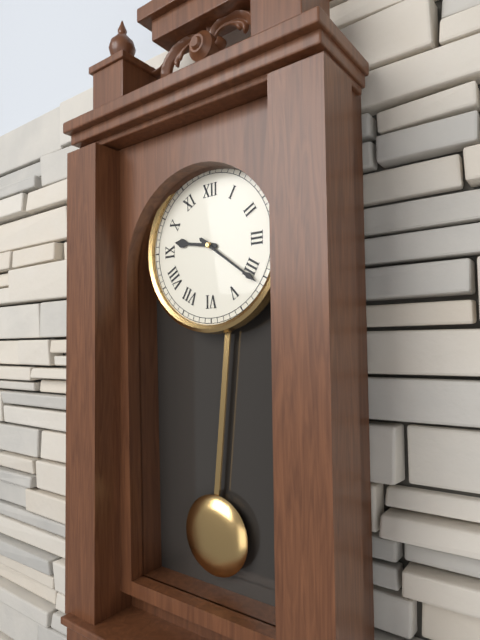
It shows 9h21
